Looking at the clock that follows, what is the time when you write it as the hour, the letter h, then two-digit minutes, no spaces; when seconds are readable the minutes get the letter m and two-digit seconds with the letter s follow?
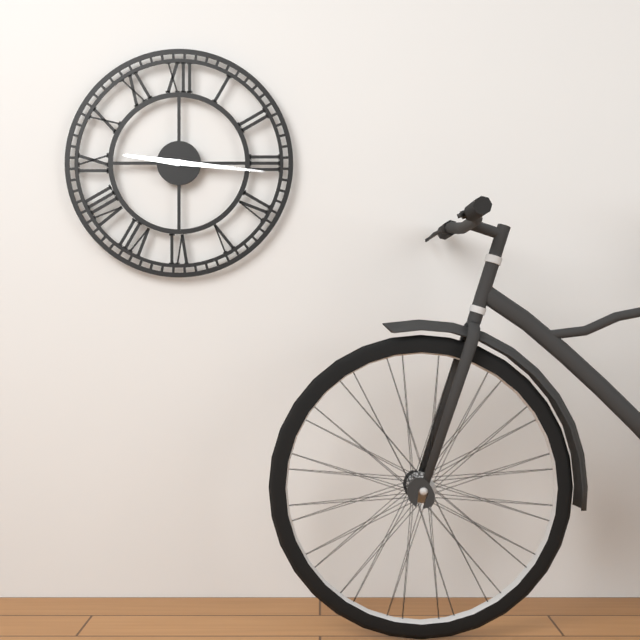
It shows 9h16
